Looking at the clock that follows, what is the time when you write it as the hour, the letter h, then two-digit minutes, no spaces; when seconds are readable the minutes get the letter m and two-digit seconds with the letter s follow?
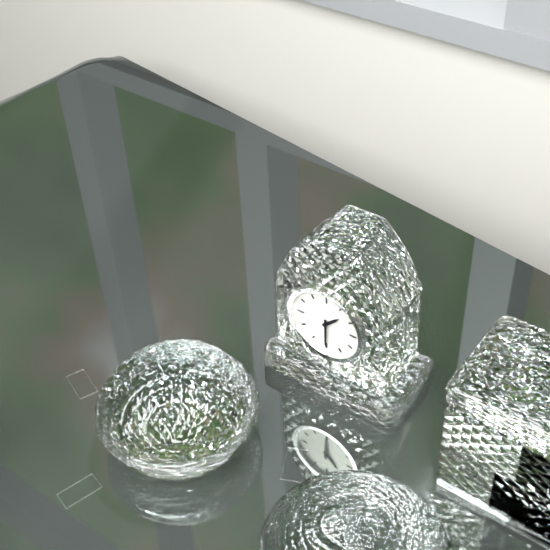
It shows 1h30
